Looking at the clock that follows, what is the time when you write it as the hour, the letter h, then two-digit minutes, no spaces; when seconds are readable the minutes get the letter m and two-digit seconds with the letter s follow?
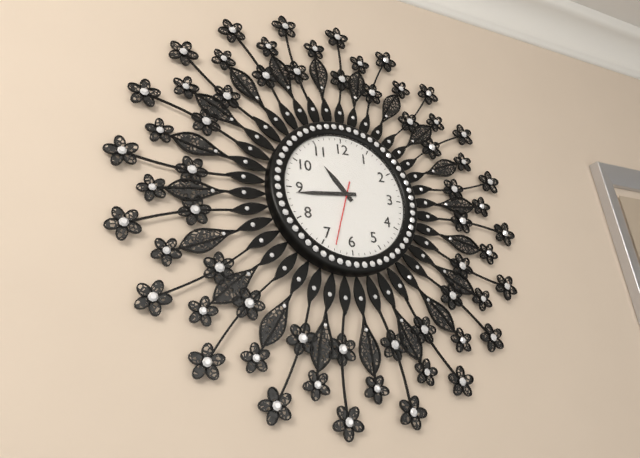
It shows 10h44m33s
